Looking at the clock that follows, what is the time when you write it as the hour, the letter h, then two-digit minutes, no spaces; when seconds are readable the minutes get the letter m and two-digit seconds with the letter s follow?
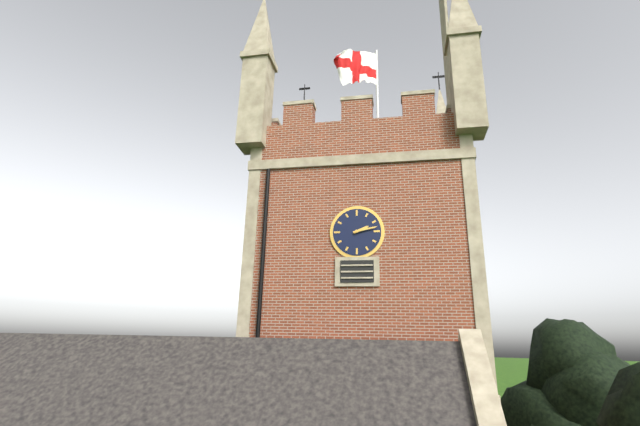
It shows 2h13
